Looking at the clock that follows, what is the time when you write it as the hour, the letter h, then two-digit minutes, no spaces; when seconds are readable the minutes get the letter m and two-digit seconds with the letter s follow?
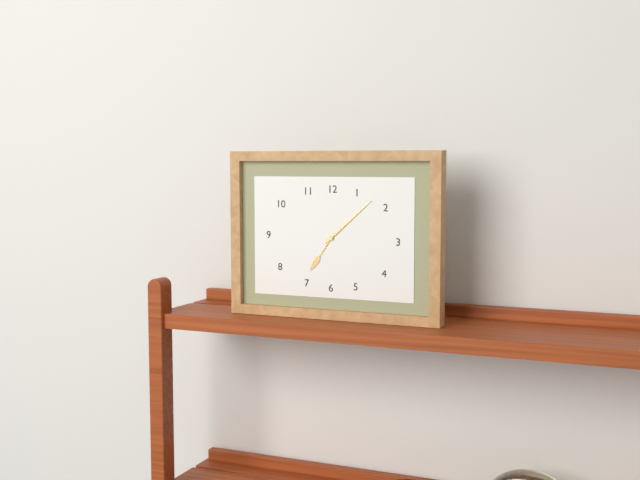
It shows 7h08
